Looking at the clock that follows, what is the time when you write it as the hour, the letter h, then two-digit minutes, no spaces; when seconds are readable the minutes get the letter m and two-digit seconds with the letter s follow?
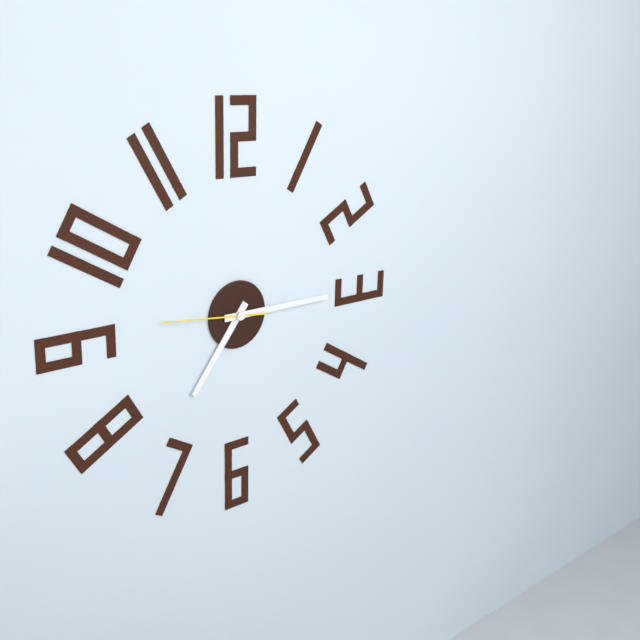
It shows 7h15m46s
